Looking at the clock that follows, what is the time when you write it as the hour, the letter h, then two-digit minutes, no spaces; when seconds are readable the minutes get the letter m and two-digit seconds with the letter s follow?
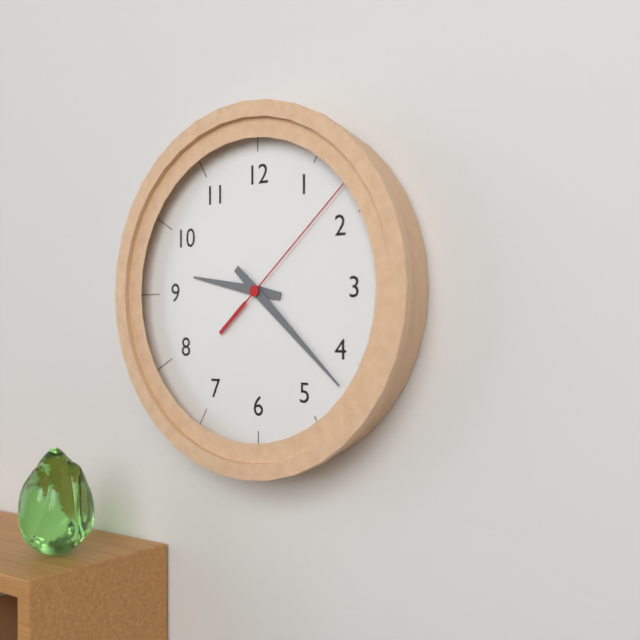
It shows 9h22m08s
